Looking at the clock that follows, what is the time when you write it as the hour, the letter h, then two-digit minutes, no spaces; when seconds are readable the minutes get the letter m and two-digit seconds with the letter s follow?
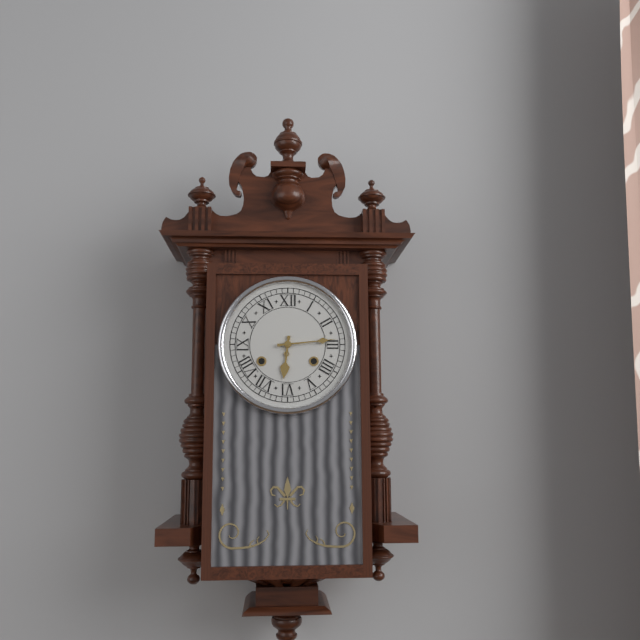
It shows 6h14
